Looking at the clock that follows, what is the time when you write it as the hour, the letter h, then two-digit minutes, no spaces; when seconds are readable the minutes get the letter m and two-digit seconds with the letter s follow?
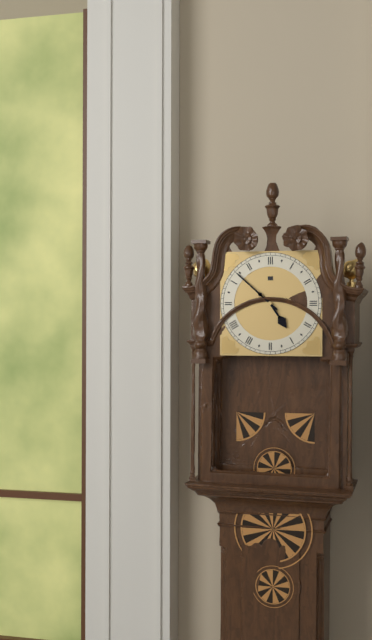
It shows 4h52
